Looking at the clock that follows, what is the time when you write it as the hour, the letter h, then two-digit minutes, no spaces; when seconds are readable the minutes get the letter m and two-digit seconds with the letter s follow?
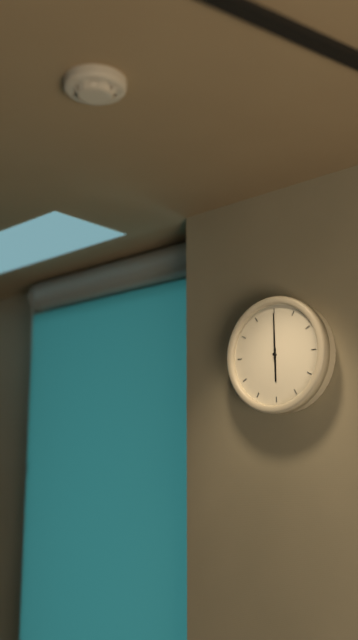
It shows 6h00
